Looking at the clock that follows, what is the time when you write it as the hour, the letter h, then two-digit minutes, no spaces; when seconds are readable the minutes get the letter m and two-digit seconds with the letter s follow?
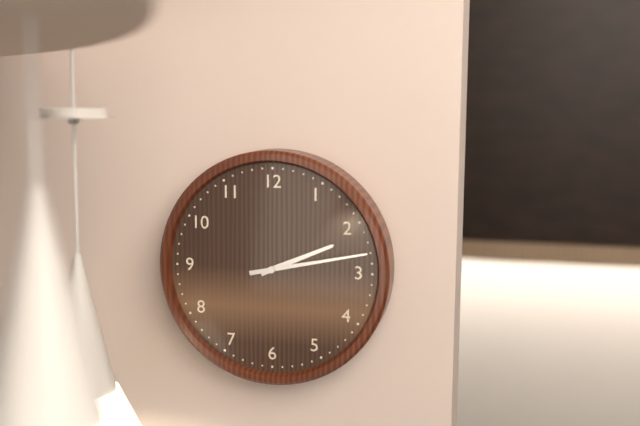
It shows 2h13
